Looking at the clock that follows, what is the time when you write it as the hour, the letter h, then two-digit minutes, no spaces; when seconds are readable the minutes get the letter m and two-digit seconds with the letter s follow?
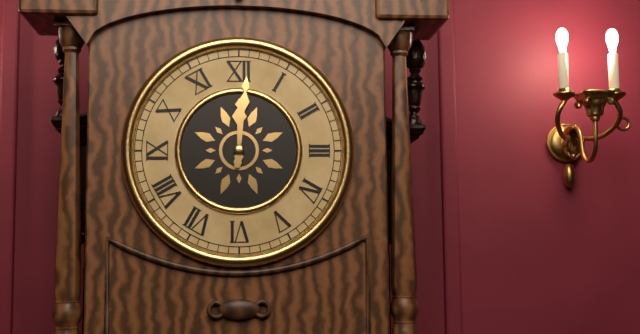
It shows 12h01
